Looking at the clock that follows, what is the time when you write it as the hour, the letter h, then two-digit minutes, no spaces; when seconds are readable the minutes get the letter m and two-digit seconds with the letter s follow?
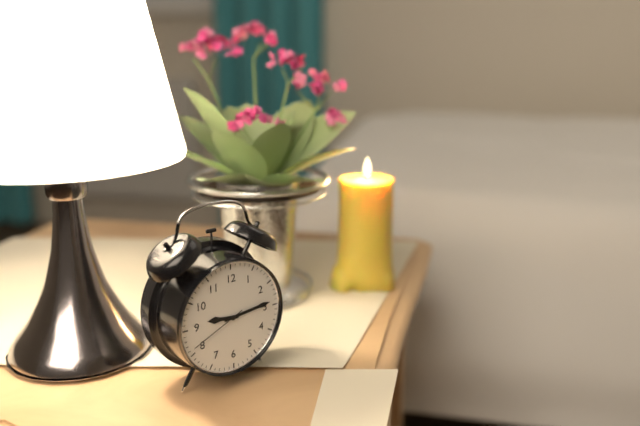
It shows 9h14m41s
